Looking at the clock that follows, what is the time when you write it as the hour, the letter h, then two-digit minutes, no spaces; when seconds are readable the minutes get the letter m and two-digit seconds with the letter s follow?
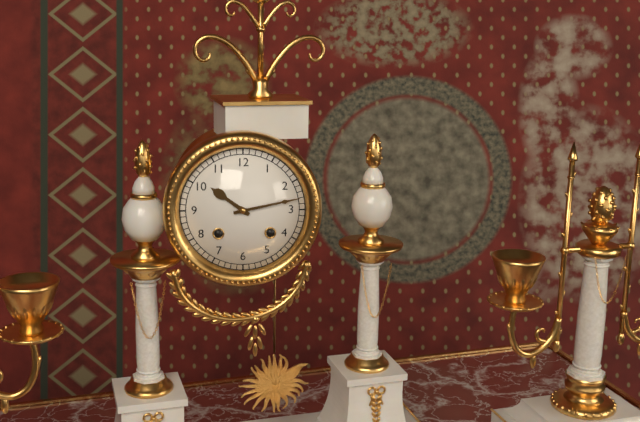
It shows 10h13
